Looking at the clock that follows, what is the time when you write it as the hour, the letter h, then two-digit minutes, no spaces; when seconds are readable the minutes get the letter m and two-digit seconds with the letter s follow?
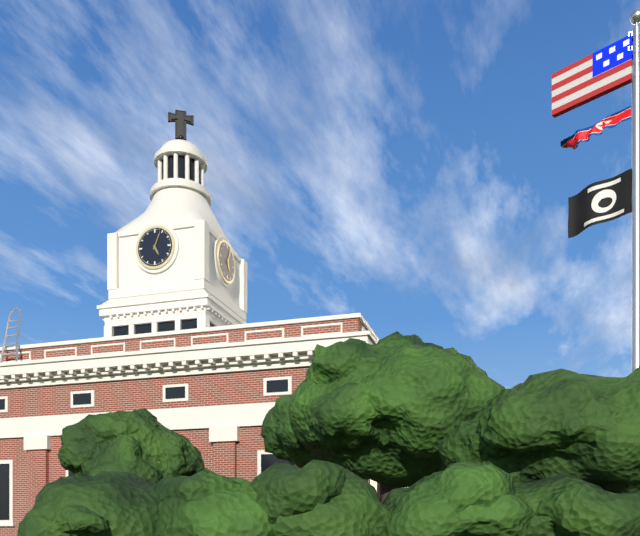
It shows 5h04
